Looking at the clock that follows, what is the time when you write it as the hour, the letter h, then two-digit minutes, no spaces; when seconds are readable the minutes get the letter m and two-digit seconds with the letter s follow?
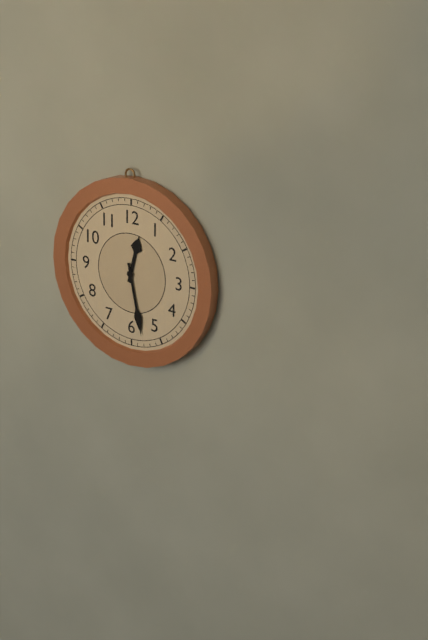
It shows 12h28
